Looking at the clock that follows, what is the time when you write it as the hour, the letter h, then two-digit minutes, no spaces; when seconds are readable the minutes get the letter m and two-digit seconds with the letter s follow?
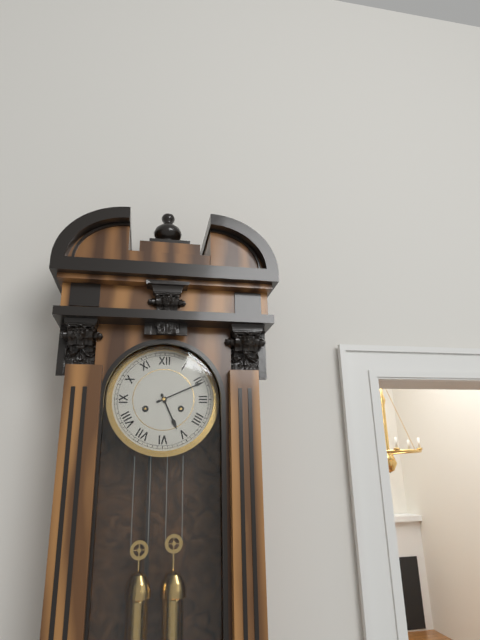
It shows 5h11
